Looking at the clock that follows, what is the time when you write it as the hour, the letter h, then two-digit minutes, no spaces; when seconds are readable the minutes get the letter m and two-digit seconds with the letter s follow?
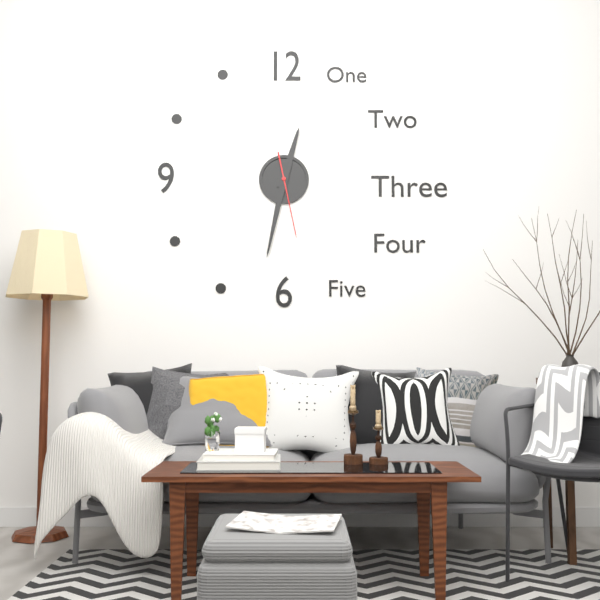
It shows 12h32m28s
